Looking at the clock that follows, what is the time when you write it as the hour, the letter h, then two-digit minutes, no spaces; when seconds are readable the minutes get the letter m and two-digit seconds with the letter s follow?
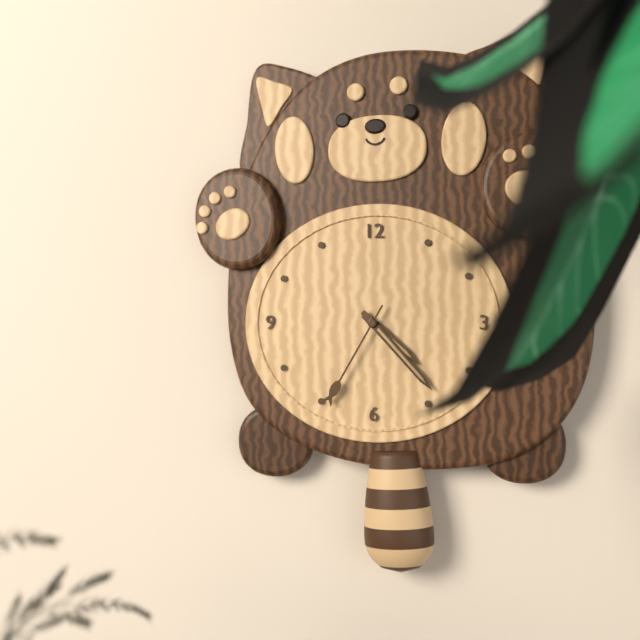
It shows 4h23m35s
